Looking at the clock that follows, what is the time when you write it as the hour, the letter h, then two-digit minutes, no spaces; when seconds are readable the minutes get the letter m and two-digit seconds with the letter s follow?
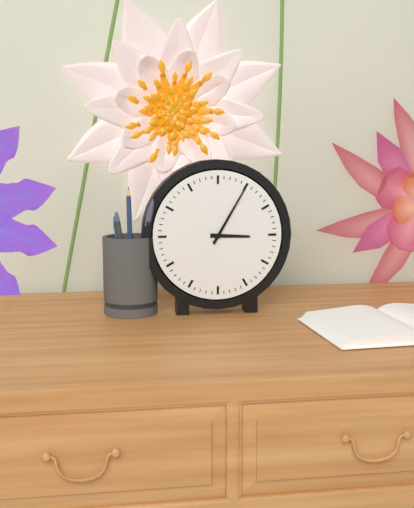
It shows 3h05
